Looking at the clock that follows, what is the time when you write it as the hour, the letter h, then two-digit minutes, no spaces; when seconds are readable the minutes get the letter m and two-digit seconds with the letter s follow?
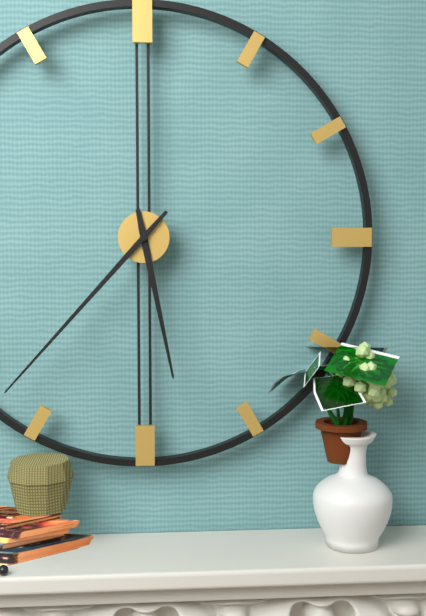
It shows 5h37
